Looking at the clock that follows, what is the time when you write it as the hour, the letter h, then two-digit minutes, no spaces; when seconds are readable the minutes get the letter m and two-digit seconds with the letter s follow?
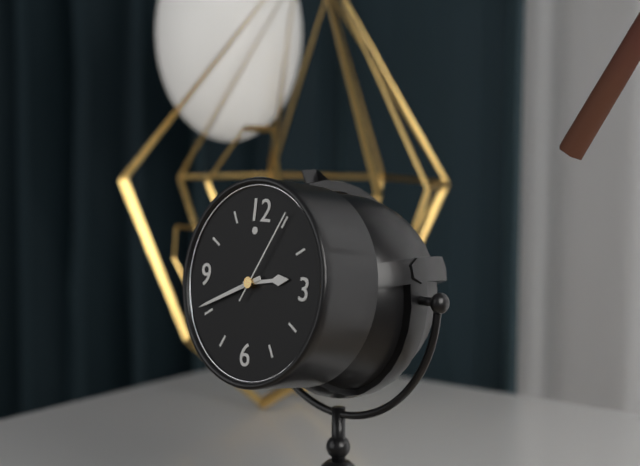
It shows 2h41m05s
